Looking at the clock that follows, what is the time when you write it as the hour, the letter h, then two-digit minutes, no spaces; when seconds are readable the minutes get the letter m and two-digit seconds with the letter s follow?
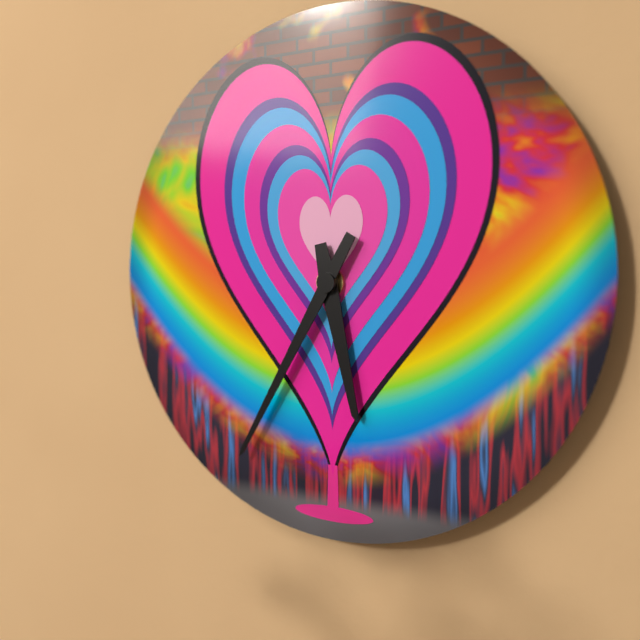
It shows 5h35
